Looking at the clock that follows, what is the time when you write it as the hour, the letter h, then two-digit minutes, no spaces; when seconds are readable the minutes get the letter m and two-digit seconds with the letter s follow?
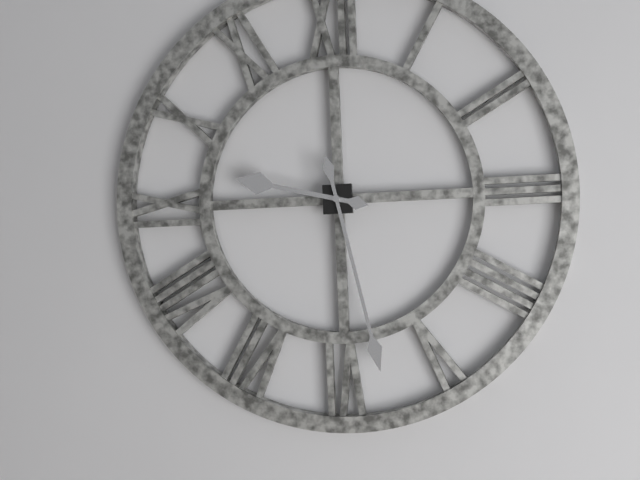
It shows 9h28
